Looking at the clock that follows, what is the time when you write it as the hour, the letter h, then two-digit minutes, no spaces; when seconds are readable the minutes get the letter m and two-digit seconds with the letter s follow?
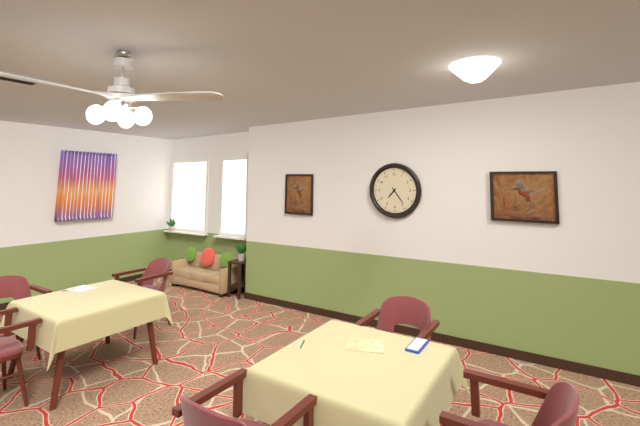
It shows 7h24
